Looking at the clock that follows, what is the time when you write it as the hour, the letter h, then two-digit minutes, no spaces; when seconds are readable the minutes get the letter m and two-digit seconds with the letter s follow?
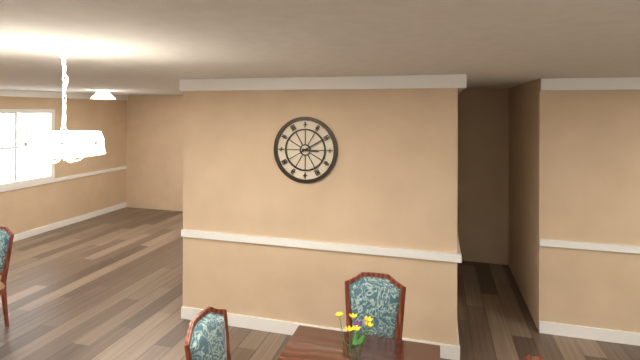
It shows 3h10
